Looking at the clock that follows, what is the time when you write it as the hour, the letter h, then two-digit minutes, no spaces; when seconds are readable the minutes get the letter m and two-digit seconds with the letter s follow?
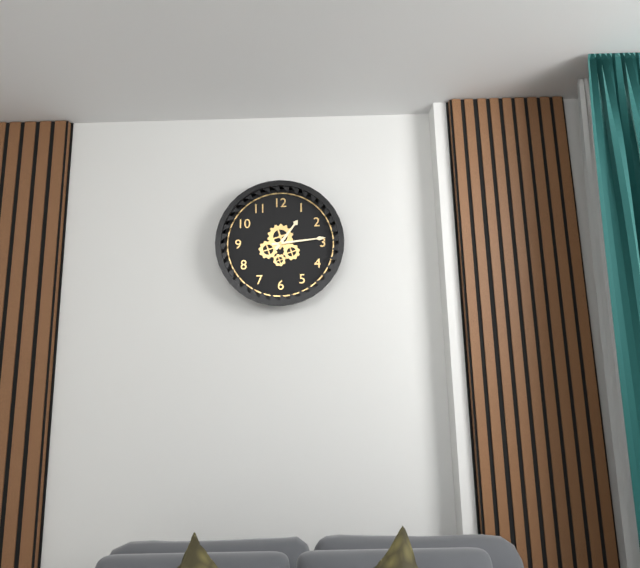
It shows 1h14
